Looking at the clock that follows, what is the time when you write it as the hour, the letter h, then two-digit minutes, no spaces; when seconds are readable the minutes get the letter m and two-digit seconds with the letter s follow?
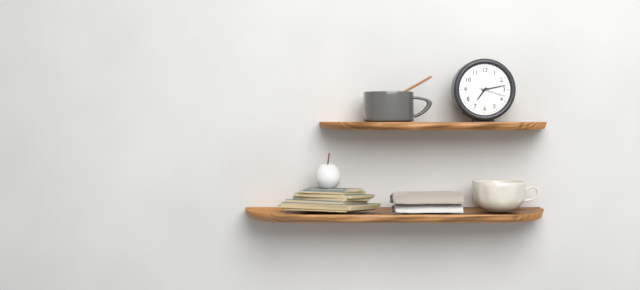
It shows 7h13
